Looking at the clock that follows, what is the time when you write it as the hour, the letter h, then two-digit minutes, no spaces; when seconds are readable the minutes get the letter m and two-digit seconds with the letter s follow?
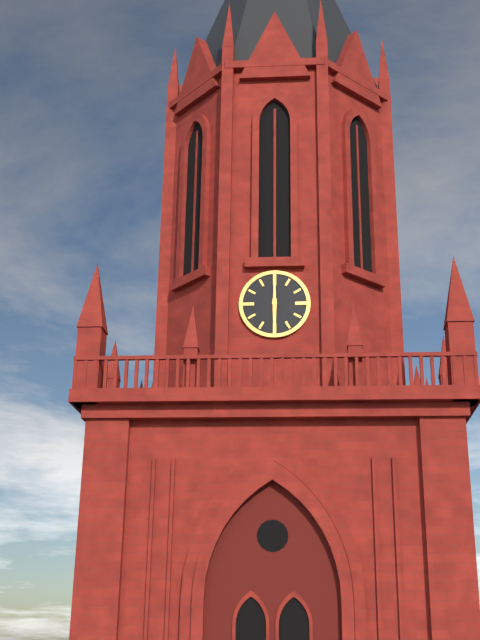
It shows 6h00
